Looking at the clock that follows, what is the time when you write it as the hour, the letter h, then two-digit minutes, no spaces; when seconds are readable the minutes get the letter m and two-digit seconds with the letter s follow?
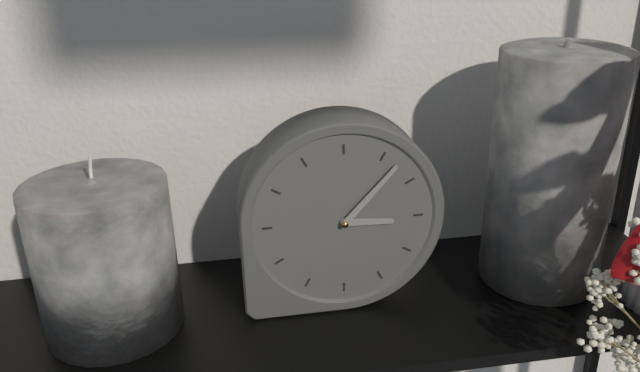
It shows 3h07
